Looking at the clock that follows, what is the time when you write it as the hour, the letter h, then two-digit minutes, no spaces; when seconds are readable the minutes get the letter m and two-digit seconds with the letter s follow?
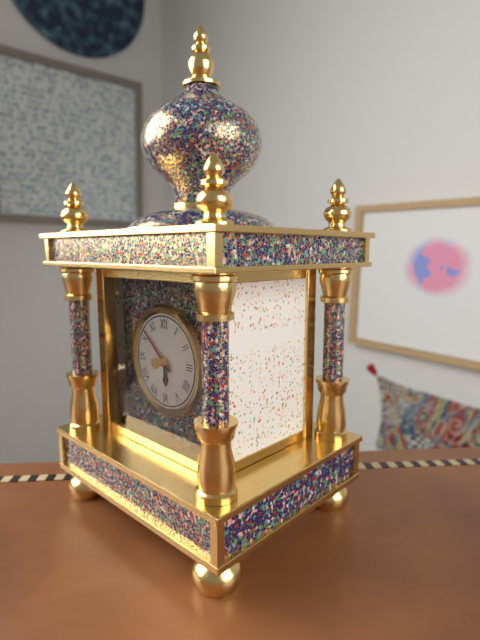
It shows 5h52
